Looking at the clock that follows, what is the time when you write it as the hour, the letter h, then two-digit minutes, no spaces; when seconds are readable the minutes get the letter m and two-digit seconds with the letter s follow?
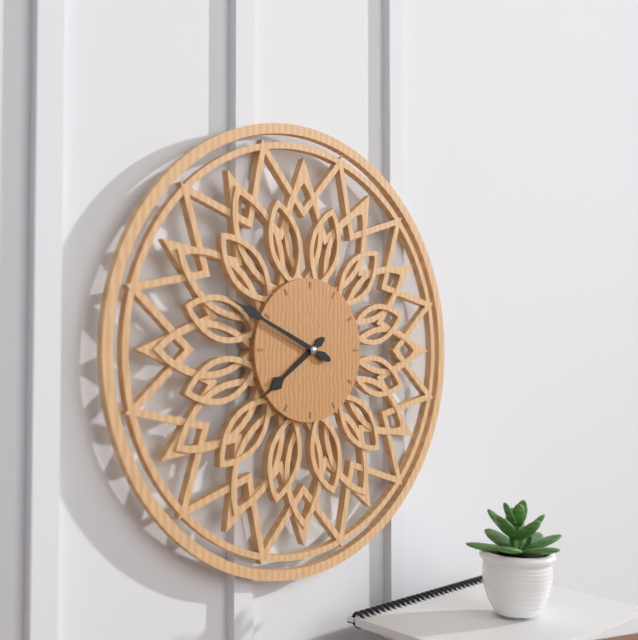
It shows 7h49
